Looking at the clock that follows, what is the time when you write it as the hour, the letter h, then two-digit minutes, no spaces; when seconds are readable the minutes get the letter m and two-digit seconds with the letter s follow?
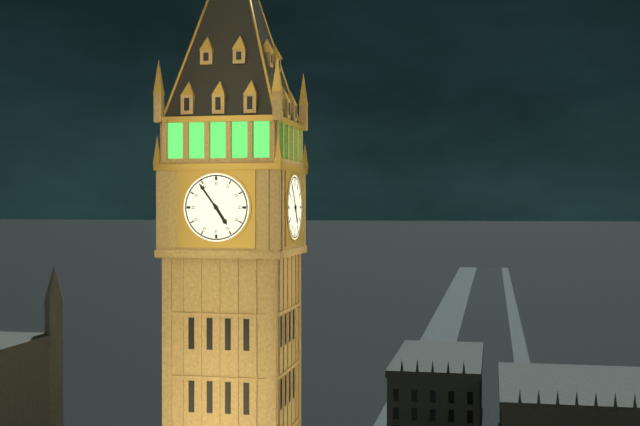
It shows 4h54
